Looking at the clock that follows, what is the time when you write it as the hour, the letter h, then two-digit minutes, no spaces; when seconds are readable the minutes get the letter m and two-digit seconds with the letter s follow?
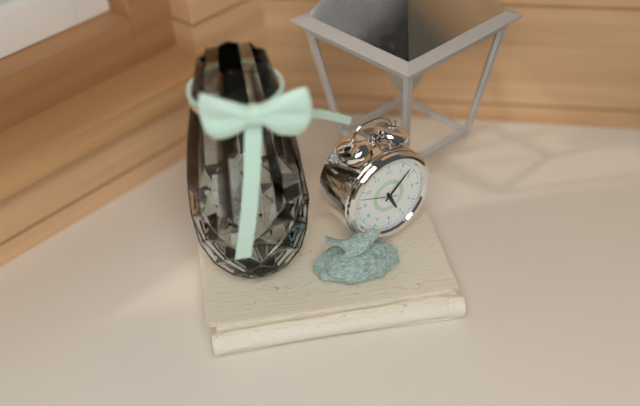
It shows 5h08
